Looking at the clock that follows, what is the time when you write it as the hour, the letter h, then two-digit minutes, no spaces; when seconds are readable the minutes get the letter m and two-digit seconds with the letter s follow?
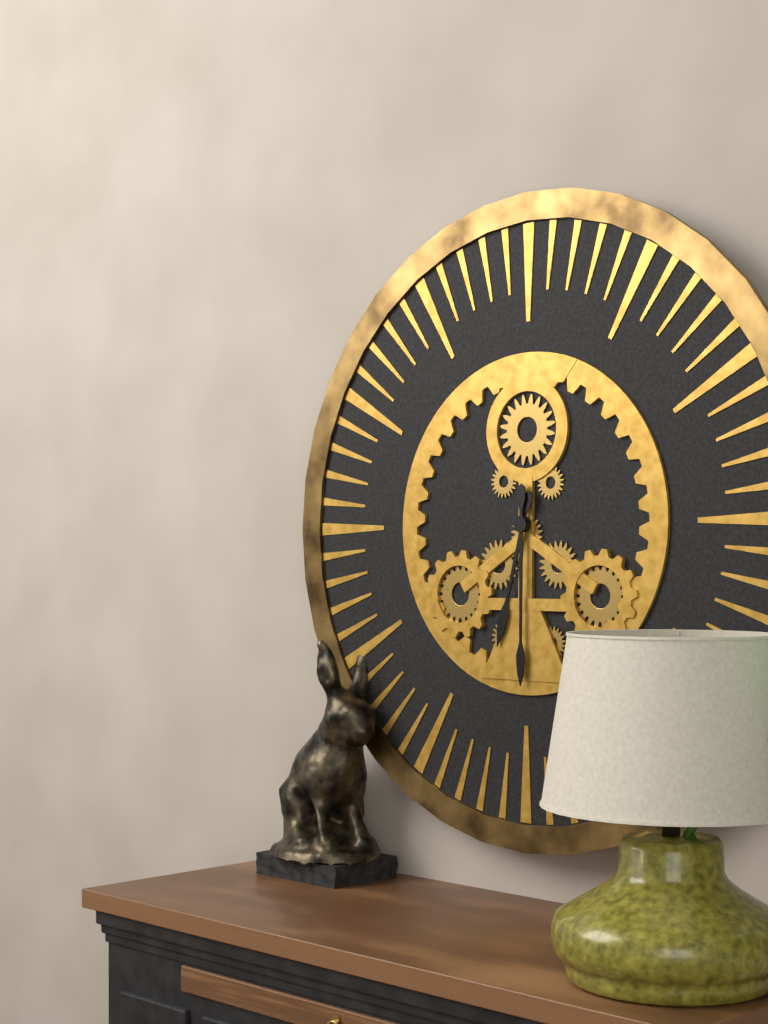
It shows 6h30
